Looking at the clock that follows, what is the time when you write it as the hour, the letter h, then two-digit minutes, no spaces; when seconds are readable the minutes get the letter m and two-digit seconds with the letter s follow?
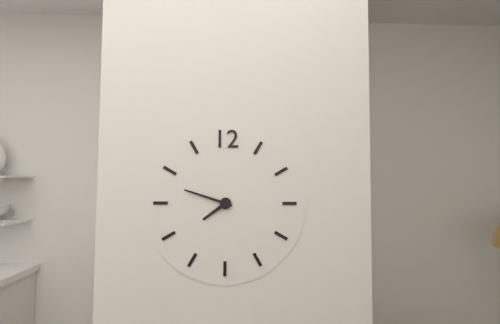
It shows 7h48
